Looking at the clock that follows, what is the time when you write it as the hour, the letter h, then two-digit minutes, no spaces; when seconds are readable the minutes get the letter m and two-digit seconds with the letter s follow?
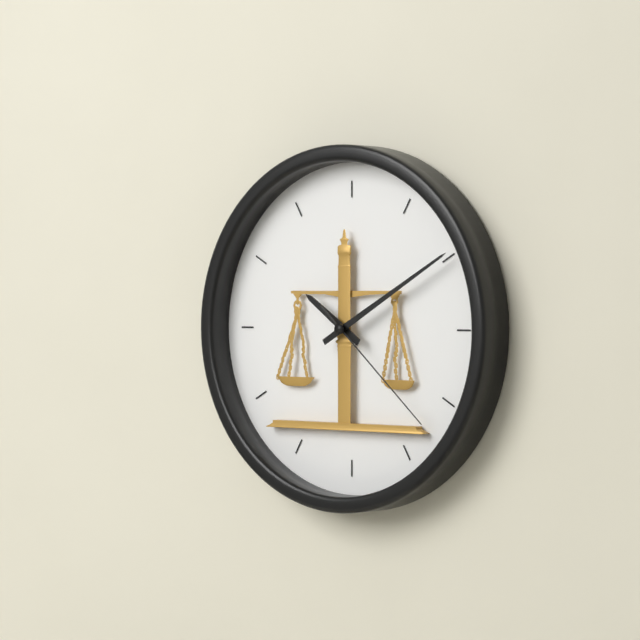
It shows 10h10m22s
